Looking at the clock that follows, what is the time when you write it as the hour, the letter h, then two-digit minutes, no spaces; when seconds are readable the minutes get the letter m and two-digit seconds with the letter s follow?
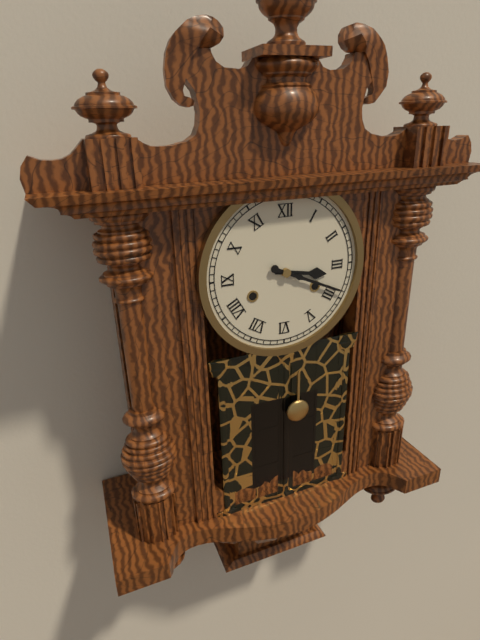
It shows 3h19
